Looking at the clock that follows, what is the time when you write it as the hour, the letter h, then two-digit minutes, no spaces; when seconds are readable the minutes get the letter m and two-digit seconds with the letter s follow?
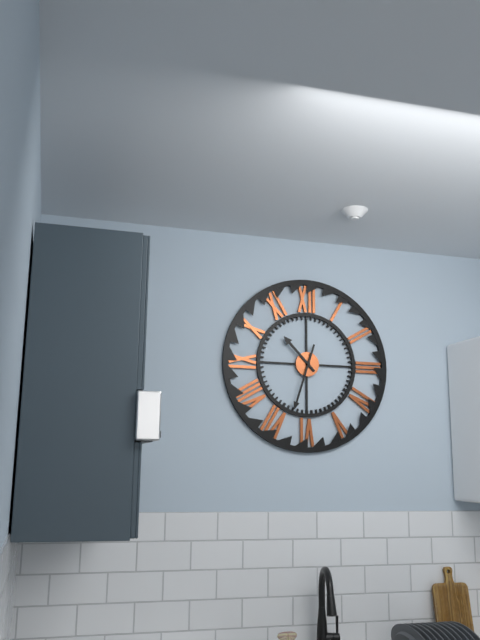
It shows 10h33
